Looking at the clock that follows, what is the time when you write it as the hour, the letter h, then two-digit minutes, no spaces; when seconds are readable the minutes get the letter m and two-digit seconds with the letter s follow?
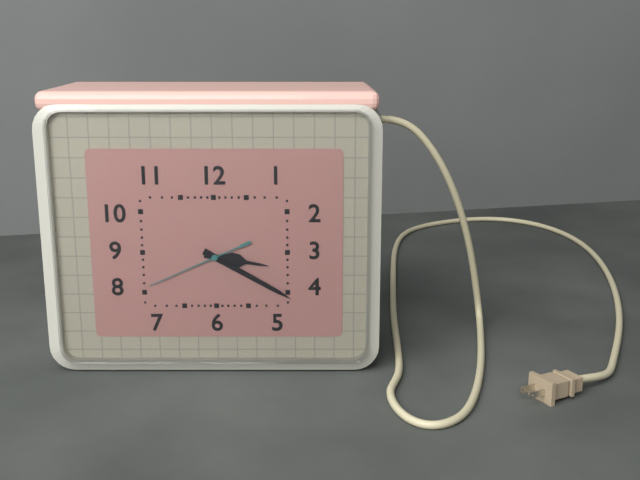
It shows 3h20m41s
